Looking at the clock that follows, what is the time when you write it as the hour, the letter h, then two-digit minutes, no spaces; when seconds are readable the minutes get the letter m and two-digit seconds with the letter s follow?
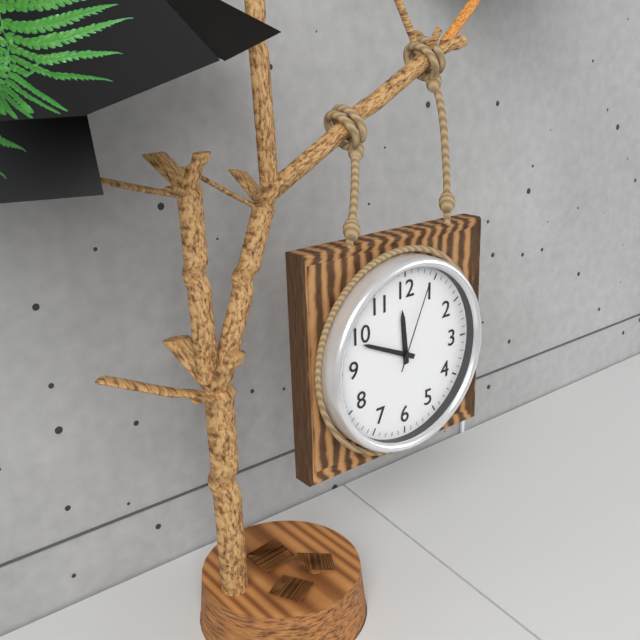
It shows 11h49m04s
